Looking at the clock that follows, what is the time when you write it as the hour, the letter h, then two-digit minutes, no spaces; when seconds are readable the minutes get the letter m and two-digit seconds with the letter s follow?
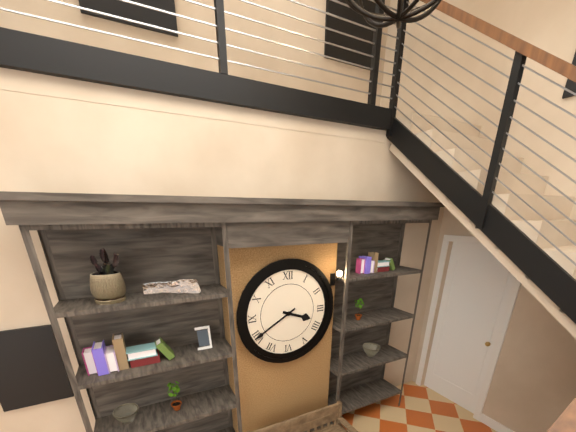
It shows 3h40
